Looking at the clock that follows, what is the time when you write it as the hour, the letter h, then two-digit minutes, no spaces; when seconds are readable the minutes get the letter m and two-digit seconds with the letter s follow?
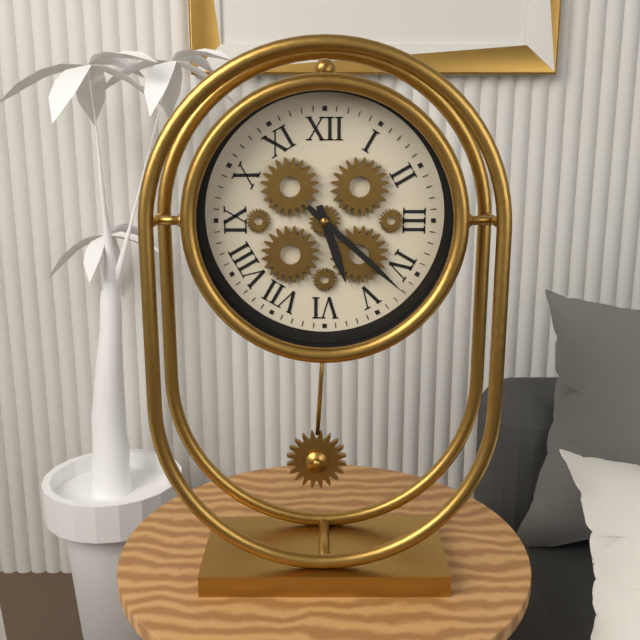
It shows 5h22
